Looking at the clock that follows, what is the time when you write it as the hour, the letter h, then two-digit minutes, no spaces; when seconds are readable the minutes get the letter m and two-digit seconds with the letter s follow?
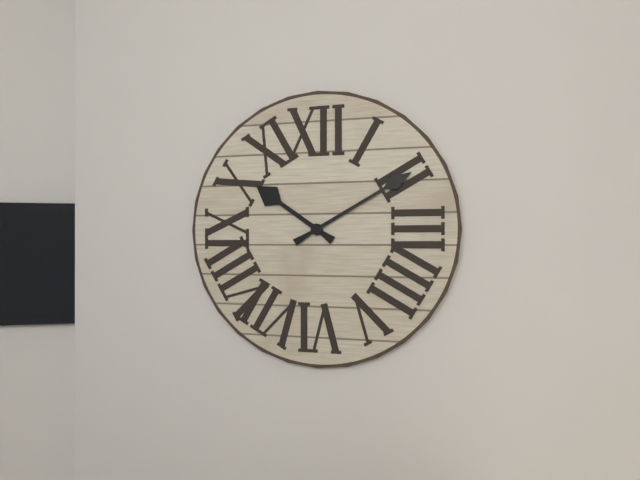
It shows 10h10
